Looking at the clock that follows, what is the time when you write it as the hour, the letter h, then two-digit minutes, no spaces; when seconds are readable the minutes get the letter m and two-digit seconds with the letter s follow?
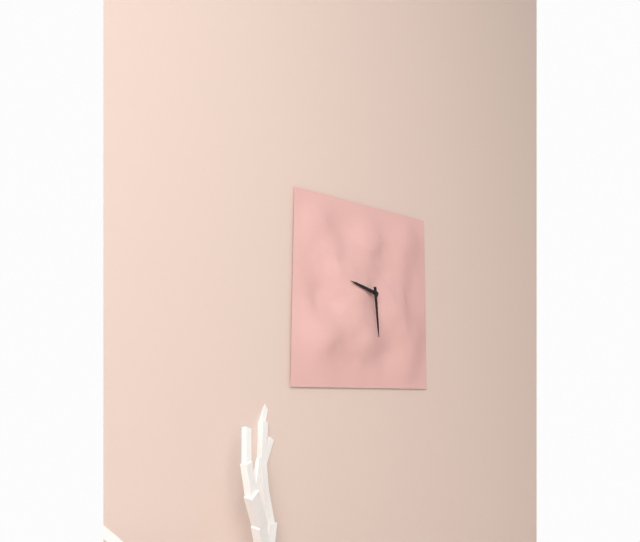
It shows 9h29
